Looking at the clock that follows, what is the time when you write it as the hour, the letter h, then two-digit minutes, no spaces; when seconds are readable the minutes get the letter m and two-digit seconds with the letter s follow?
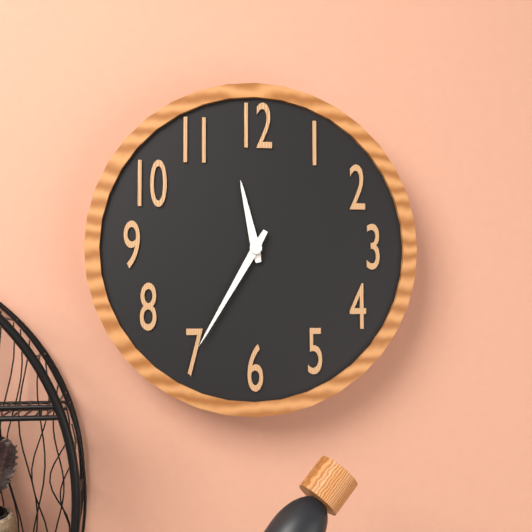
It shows 11h35
